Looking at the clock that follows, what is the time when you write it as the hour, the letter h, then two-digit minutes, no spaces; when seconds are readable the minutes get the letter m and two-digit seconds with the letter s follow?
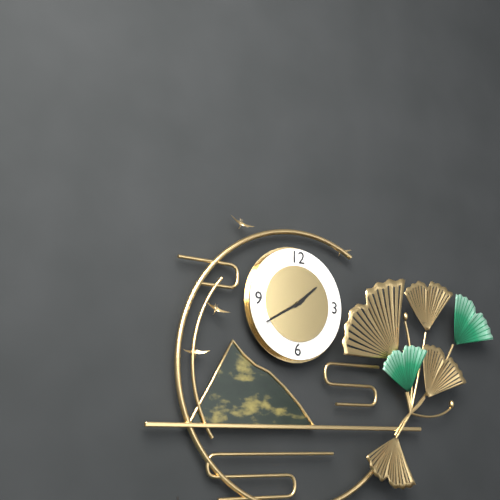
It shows 1h40
